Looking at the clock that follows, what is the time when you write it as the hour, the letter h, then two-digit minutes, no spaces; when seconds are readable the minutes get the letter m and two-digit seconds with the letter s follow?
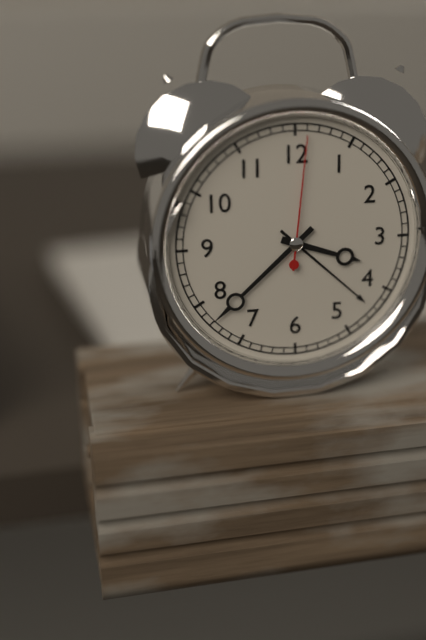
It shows 3h38m01s
